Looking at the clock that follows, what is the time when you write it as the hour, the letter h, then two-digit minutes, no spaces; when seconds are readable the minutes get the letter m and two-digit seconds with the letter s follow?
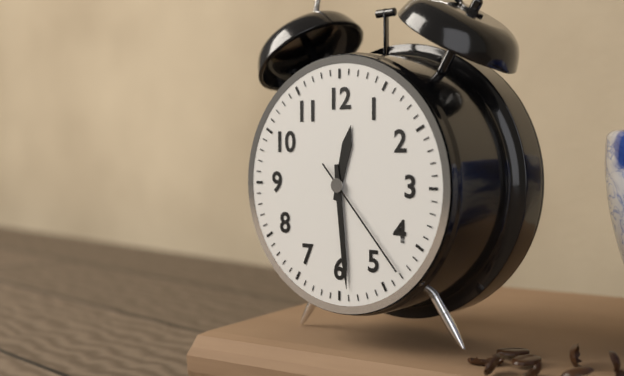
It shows 12h29m23s
